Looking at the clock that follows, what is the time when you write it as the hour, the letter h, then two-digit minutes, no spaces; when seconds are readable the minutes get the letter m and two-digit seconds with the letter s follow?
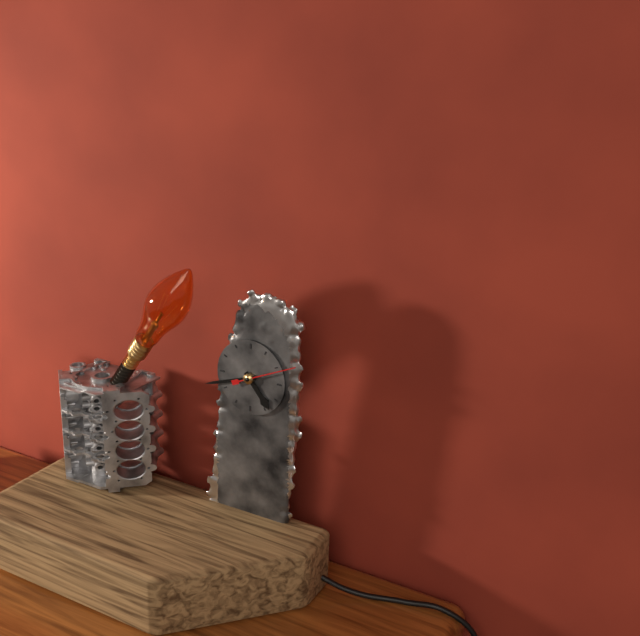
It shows 4h42m11s
